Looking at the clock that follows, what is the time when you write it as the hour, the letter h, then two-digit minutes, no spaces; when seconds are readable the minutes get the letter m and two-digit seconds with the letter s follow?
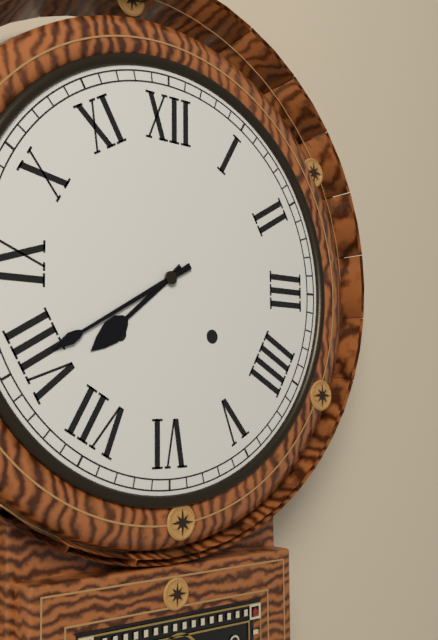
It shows 7h40
